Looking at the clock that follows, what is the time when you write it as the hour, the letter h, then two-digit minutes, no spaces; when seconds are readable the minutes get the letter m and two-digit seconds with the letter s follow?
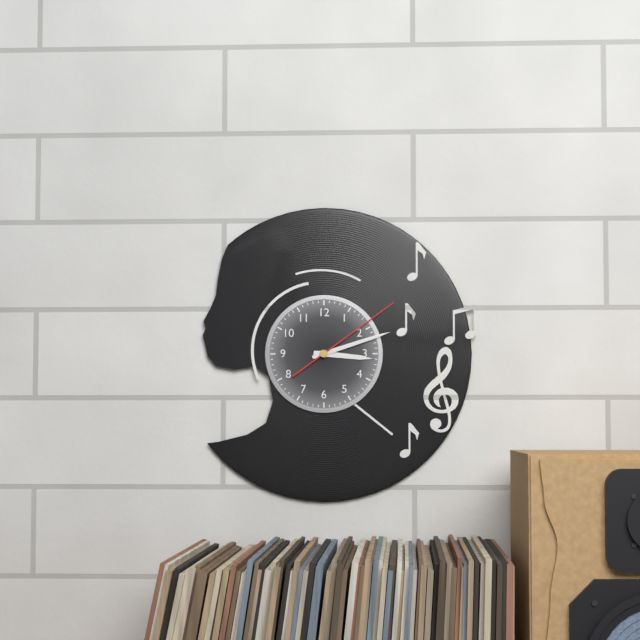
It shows 3h12m09s
